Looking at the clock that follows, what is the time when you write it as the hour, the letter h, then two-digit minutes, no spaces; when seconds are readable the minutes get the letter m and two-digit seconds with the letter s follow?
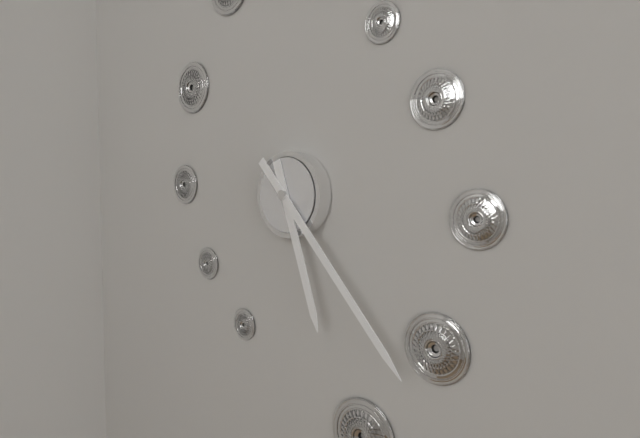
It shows 5h23
